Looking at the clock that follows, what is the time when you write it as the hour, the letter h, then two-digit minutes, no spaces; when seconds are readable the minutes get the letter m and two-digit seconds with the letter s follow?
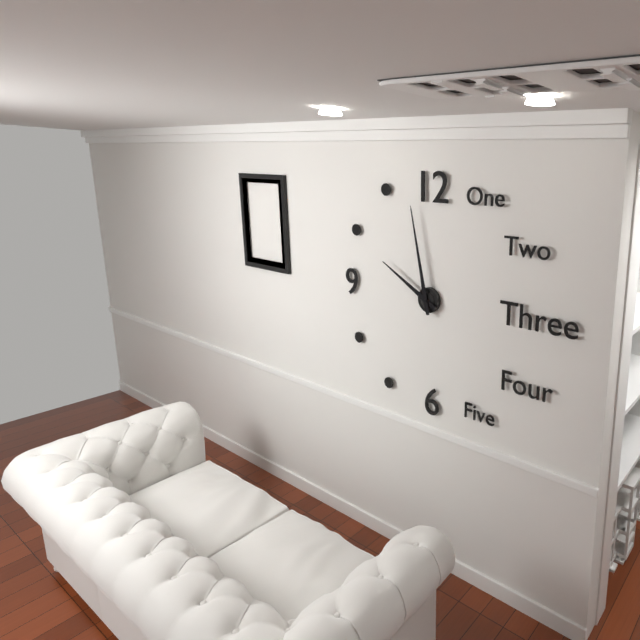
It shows 9h58
